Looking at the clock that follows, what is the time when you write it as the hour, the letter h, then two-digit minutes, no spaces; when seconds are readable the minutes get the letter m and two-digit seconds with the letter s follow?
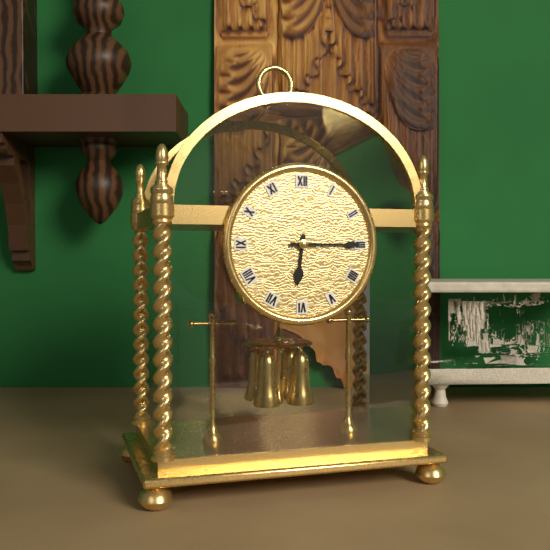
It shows 6h15
